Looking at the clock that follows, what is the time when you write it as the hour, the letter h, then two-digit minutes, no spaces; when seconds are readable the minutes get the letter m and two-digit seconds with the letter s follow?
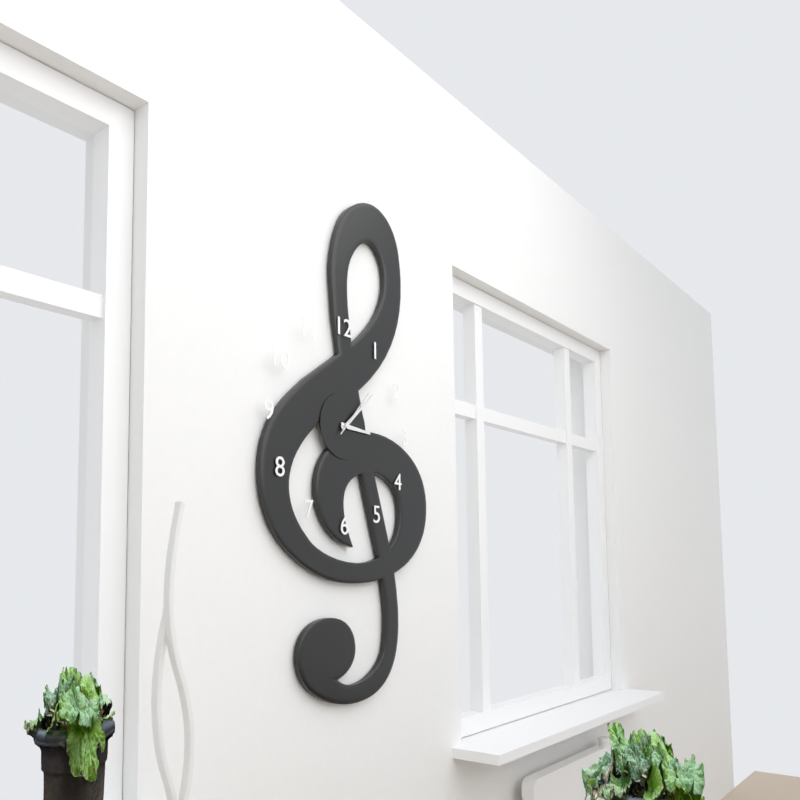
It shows 3h08
